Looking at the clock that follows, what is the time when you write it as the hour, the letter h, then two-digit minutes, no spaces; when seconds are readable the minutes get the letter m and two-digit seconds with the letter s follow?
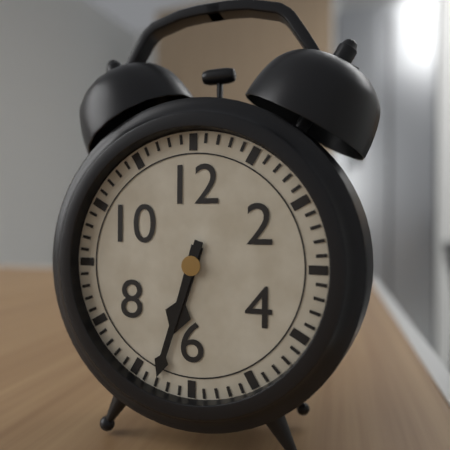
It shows 6h33
